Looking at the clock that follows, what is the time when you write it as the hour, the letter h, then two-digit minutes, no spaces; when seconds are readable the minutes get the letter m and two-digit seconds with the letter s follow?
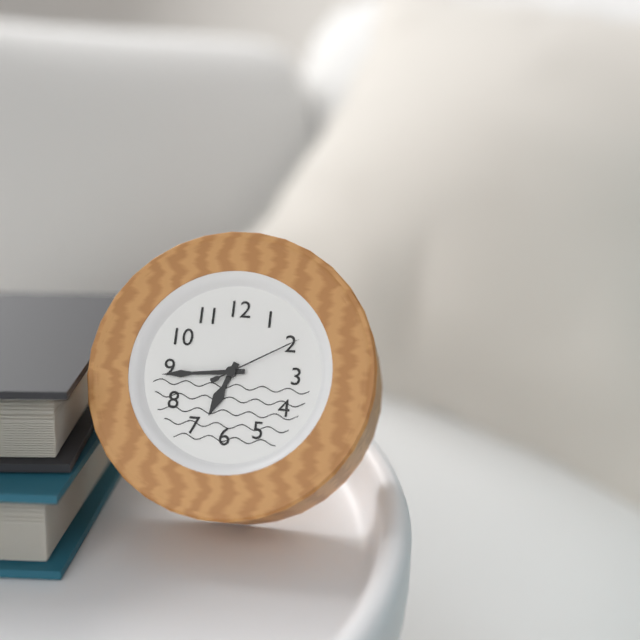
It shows 6h44m10s
